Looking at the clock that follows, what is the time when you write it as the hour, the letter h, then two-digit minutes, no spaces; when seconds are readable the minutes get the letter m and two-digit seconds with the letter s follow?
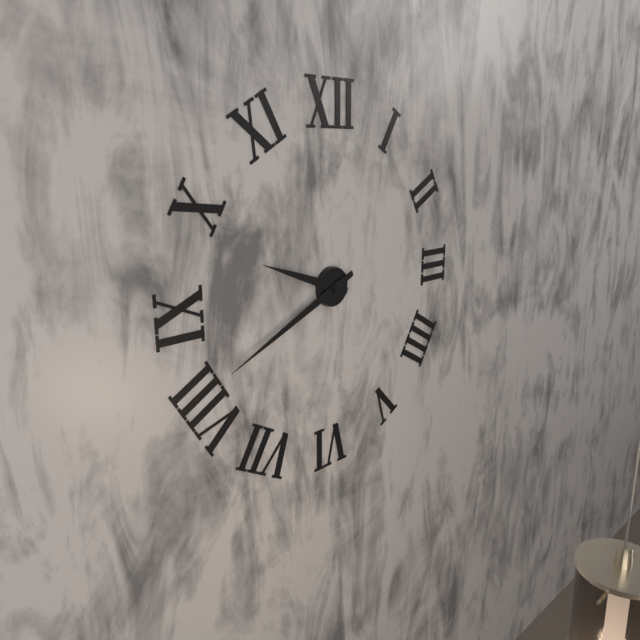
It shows 9h41
